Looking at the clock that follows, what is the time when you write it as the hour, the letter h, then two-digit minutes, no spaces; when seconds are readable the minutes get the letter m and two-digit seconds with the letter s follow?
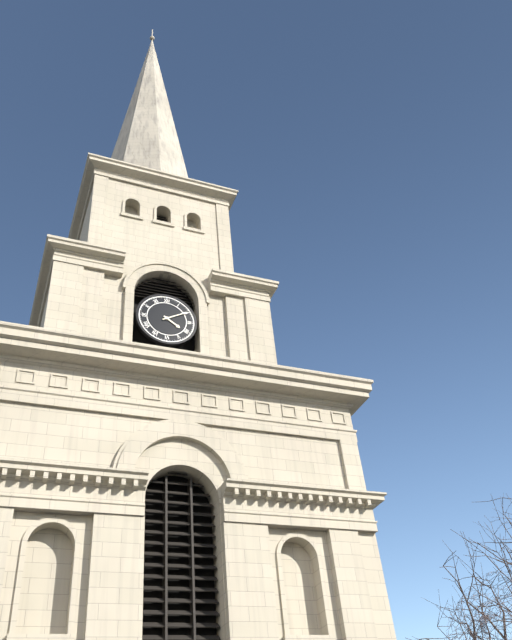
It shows 4h10
